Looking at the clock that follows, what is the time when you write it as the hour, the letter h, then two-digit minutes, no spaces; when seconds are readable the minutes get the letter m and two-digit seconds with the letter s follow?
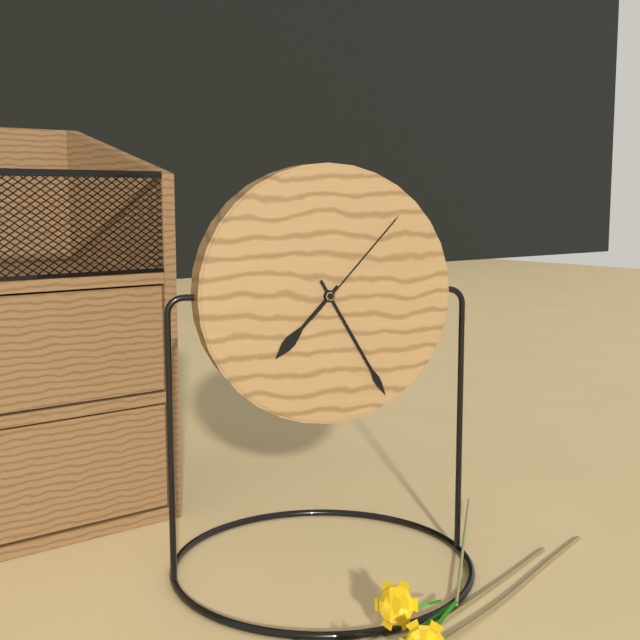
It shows 7h25m07s
